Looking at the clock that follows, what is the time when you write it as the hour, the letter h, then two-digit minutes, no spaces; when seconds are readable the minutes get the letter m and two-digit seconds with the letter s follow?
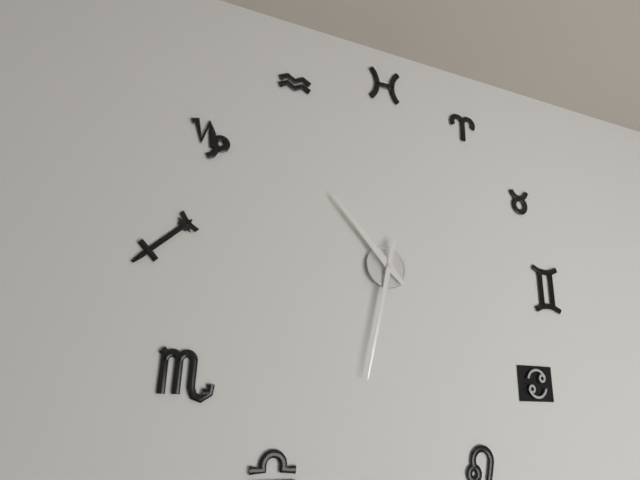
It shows 10h32
